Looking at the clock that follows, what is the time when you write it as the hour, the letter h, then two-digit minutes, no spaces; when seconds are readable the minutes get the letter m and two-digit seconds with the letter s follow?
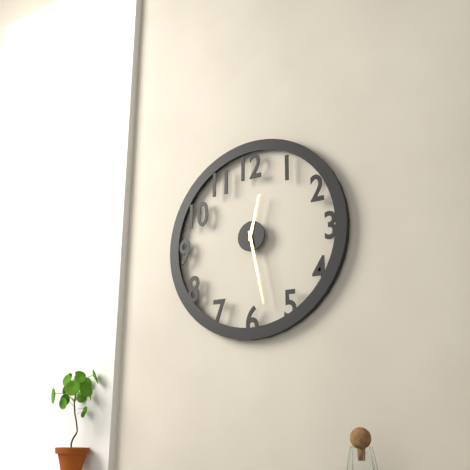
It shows 12h28
